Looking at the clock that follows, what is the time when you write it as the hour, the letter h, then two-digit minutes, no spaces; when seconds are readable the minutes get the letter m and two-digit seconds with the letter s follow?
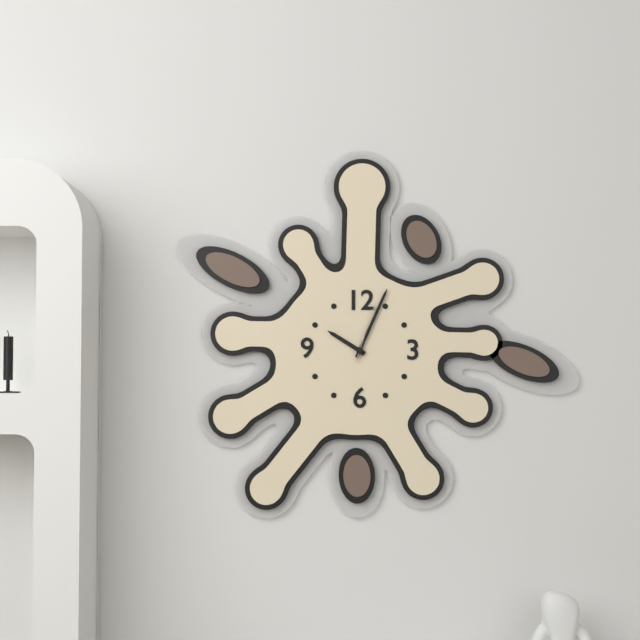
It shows 10h04m03s
